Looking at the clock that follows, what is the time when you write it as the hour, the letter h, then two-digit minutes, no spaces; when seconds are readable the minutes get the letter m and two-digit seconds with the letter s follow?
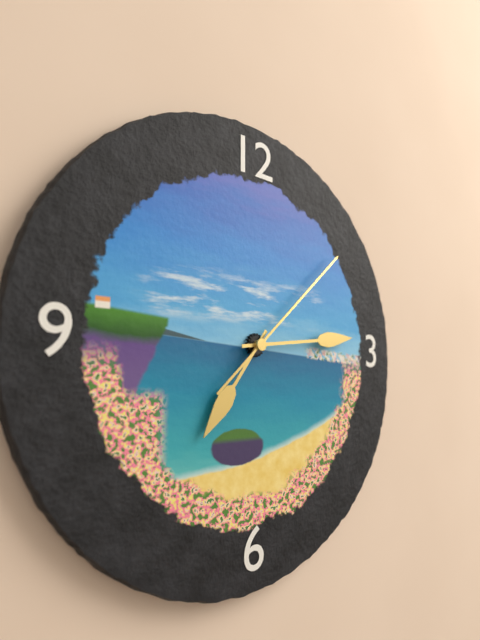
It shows 7h14m08s
